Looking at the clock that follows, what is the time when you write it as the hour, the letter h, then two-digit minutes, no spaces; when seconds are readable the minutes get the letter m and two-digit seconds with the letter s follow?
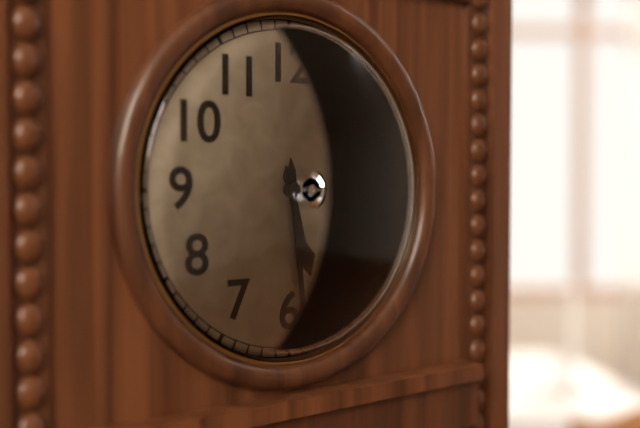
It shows 5h29
